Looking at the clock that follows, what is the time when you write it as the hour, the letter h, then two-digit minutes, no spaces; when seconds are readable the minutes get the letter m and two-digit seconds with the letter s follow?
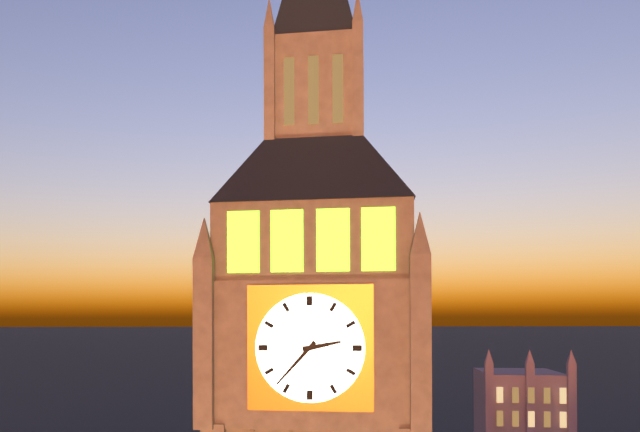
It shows 2h37
